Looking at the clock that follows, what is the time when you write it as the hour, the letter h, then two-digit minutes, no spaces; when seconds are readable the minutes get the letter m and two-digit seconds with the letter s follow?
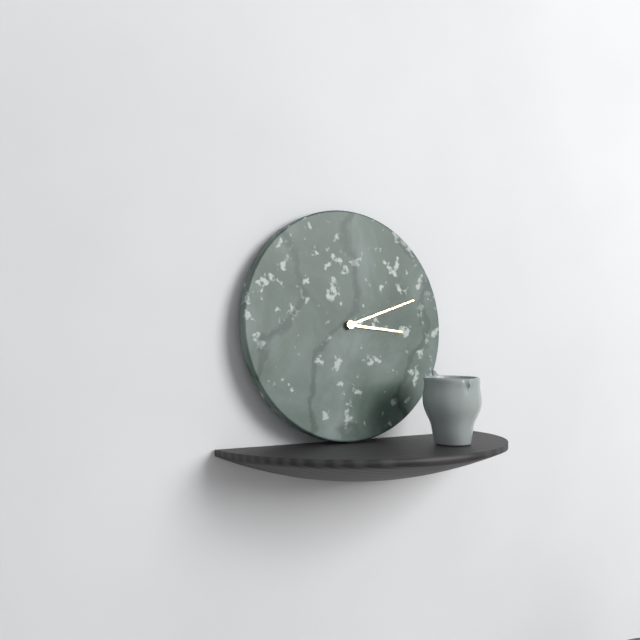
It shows 3h12
